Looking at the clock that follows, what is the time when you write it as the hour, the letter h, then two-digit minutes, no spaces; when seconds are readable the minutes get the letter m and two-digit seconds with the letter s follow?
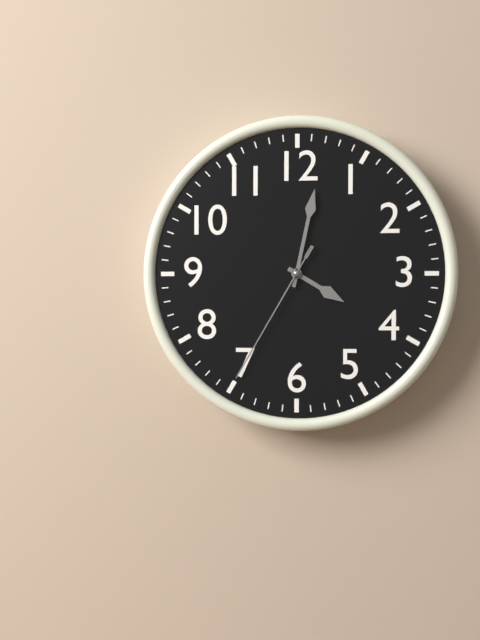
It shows 4h02m35s
